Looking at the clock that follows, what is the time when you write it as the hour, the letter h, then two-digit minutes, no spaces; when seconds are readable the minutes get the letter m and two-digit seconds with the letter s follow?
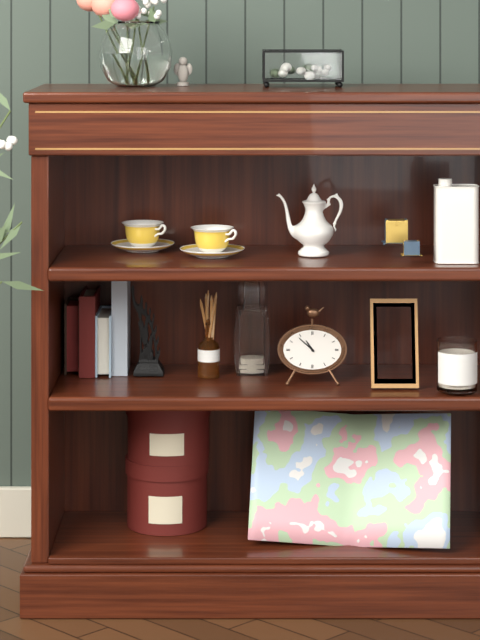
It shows 10h52
